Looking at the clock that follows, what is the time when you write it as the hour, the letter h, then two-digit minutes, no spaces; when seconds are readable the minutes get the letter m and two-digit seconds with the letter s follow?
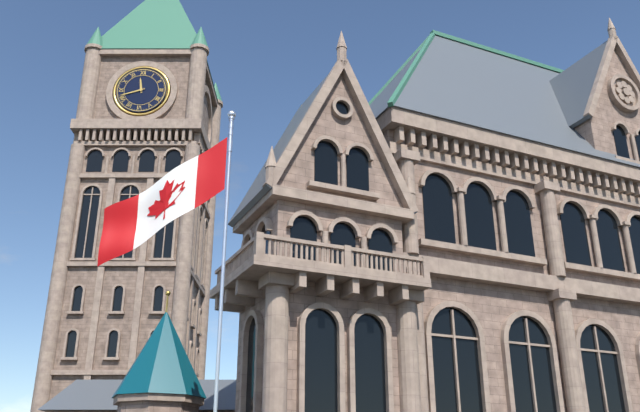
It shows 11h42
